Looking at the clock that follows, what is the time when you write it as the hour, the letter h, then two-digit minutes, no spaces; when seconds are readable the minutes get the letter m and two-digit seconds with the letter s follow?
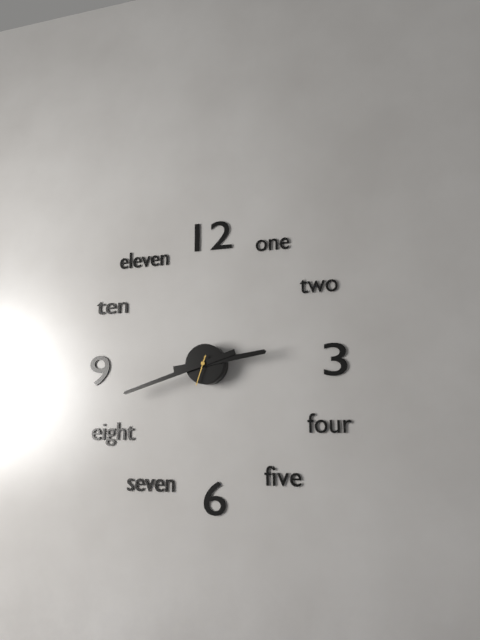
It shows 2h42
